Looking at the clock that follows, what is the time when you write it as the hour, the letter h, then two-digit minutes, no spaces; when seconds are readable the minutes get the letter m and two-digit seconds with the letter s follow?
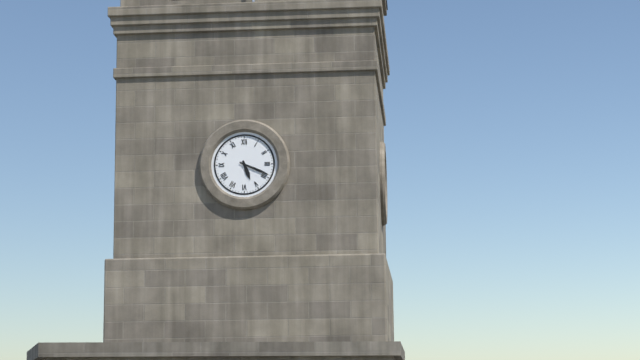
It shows 5h19
